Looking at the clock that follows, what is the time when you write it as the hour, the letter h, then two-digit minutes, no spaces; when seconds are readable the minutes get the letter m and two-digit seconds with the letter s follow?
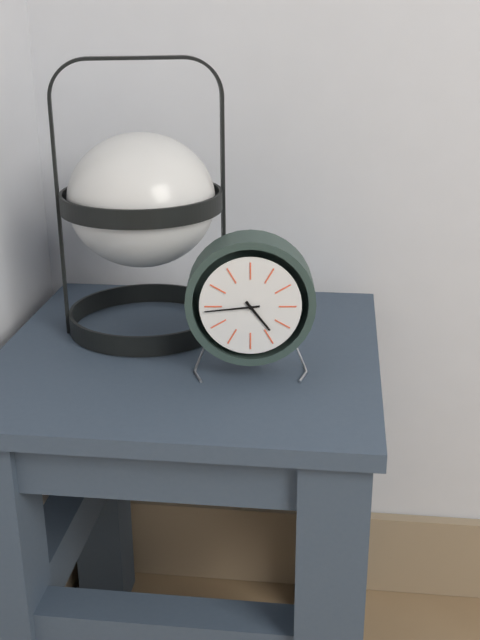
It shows 4h44
